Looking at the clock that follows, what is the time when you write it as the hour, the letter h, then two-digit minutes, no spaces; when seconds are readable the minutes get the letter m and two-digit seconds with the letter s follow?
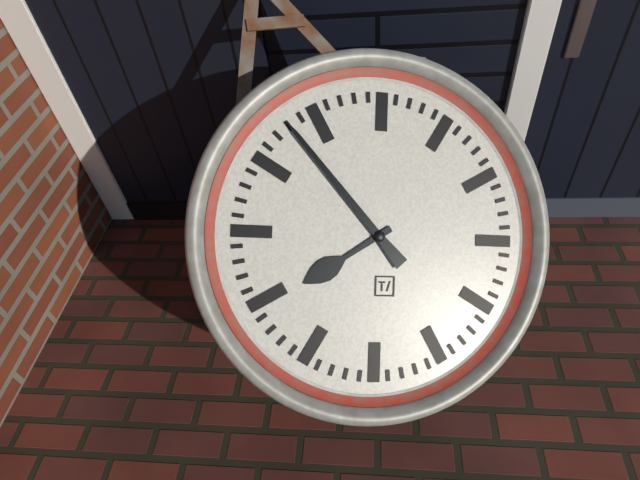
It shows 7h53
